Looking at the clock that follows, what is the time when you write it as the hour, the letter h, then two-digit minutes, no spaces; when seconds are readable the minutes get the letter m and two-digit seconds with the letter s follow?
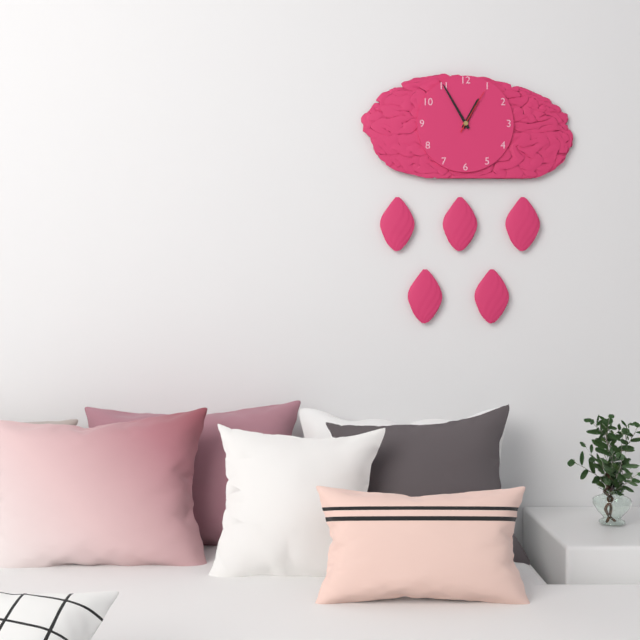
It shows 12h55
